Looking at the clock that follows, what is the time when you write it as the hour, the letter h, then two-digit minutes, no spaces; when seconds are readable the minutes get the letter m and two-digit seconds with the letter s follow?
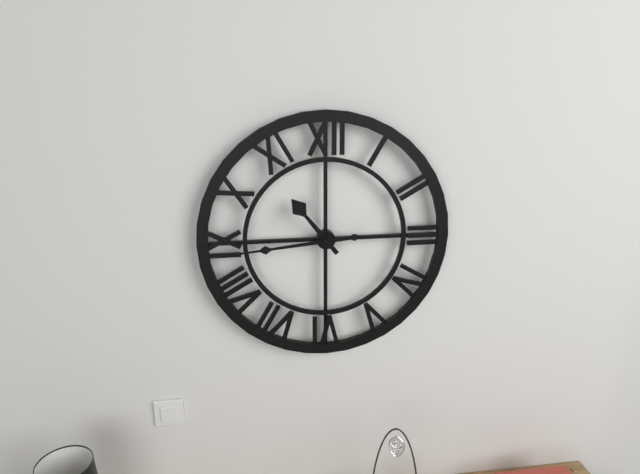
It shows 10h44
